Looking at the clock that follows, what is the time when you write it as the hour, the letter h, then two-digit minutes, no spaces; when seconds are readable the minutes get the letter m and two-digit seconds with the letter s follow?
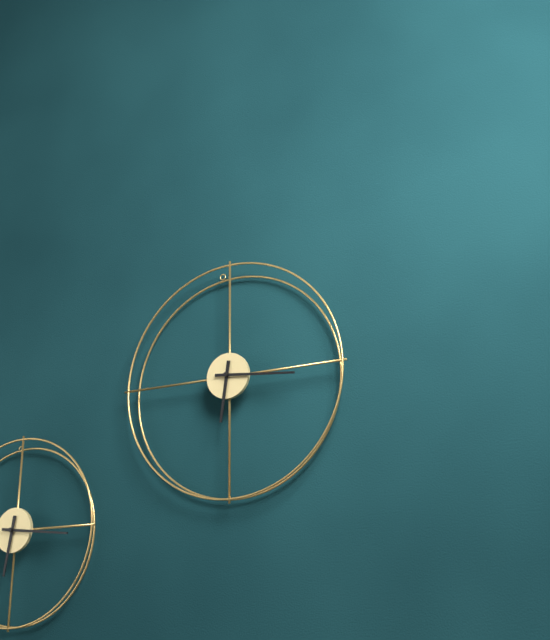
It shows 6h16
